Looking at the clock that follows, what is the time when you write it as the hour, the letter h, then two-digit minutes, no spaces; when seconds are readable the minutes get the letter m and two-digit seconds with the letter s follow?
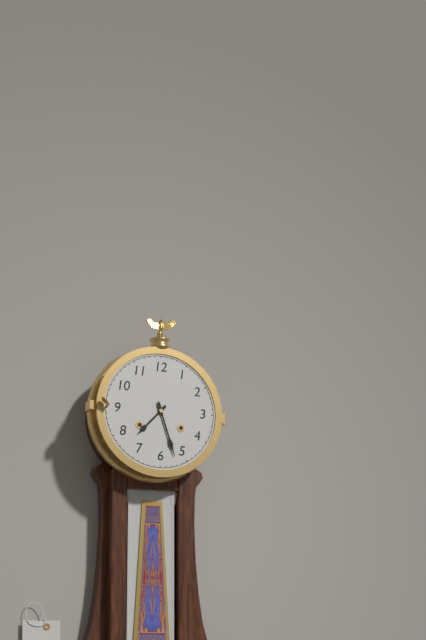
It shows 7h27
